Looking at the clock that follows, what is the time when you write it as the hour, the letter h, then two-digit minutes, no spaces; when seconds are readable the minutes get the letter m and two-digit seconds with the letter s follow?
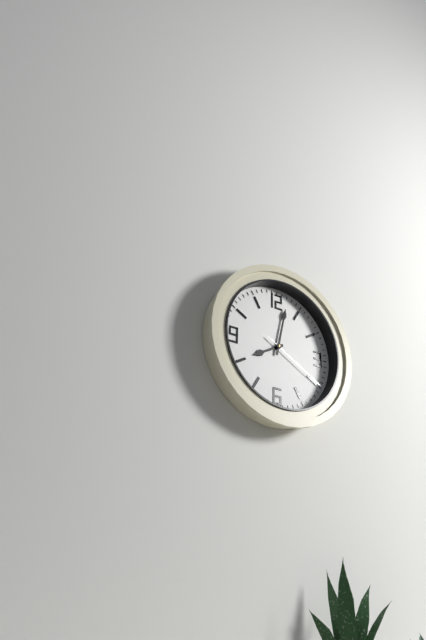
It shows 8h02m20s
